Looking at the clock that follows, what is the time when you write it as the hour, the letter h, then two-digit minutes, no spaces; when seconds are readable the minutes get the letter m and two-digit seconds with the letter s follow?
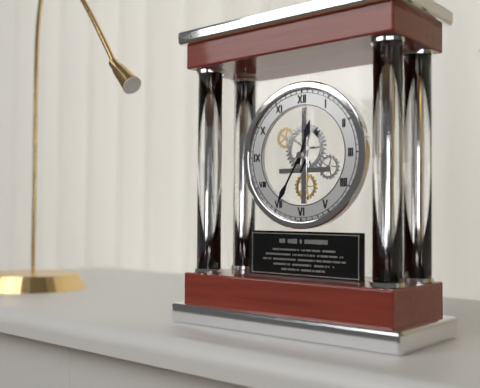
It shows 12h35
